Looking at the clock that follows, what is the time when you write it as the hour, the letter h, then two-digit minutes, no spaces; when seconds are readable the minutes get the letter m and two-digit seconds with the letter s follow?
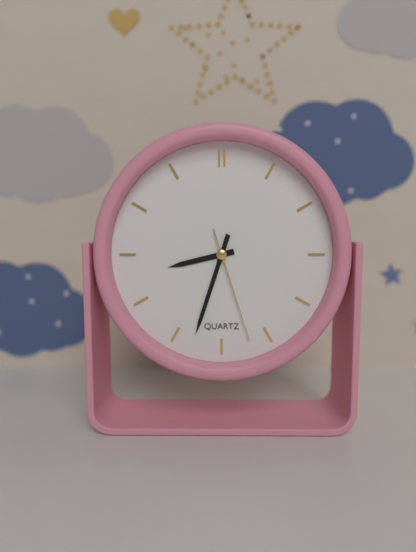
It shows 8h33m27s
